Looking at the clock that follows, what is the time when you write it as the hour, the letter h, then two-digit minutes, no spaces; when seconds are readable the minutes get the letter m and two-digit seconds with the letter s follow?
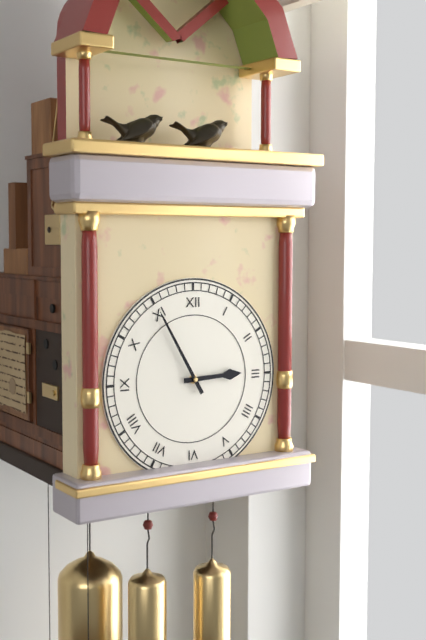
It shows 2h55
